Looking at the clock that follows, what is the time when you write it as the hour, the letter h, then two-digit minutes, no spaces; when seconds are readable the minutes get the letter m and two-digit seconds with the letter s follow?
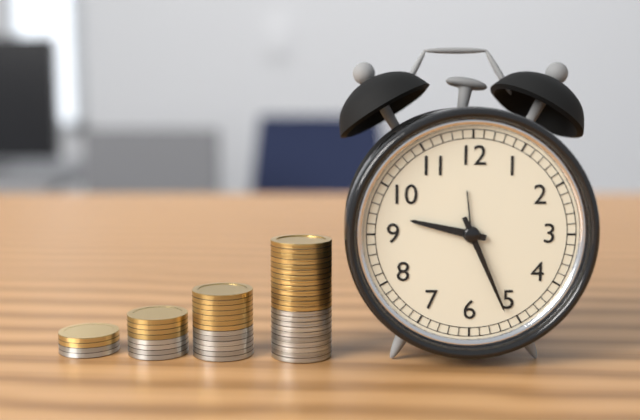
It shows 9h26
